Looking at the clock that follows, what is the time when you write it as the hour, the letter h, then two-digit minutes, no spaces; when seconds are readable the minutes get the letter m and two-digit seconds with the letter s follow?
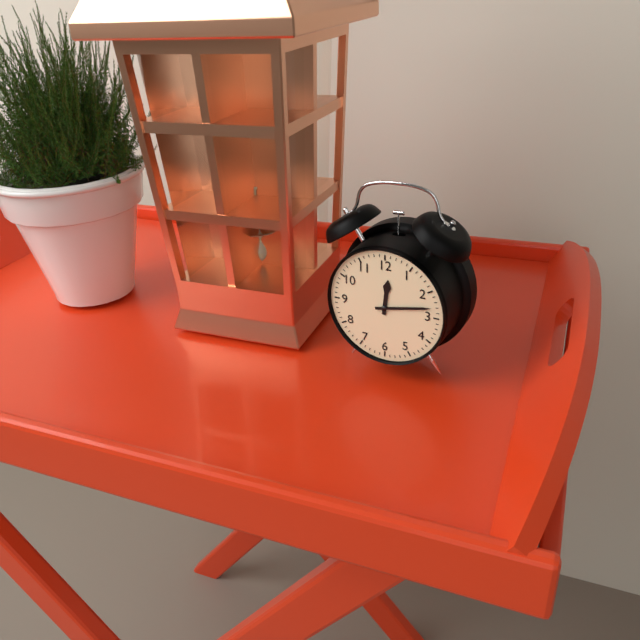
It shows 12h13
